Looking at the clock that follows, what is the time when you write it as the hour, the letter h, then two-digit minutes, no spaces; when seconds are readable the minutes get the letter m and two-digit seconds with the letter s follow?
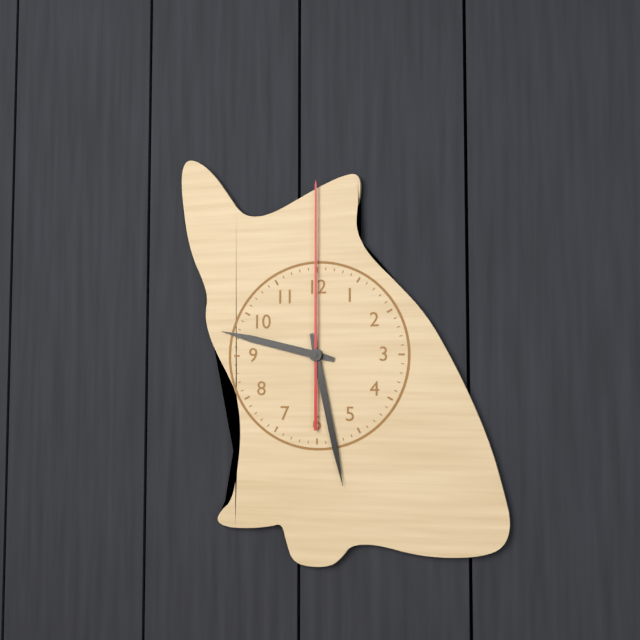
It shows 9h28m00s
